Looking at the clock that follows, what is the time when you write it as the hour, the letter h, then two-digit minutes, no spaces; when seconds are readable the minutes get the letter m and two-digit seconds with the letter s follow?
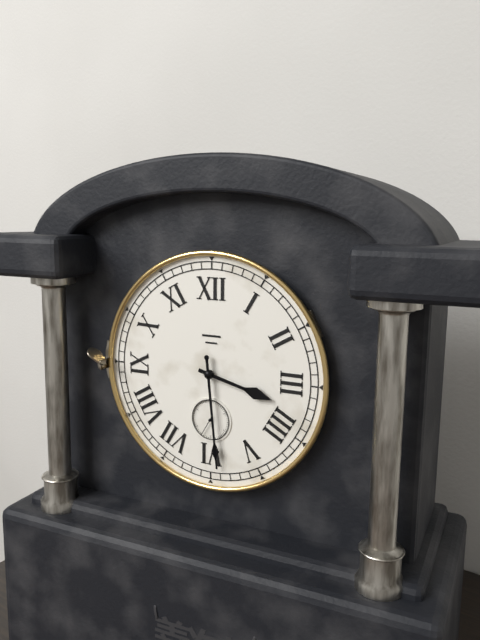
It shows 3h29
